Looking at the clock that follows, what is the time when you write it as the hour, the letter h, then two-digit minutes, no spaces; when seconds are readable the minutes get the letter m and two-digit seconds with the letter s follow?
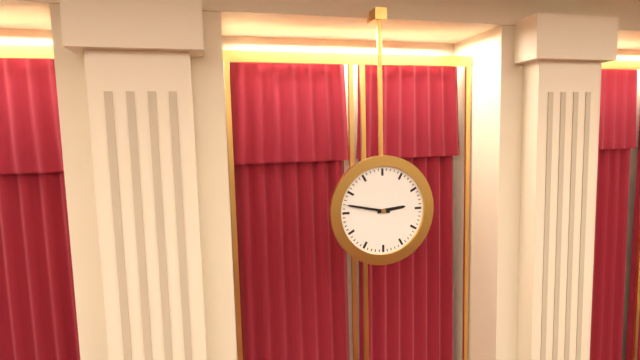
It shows 2h47
